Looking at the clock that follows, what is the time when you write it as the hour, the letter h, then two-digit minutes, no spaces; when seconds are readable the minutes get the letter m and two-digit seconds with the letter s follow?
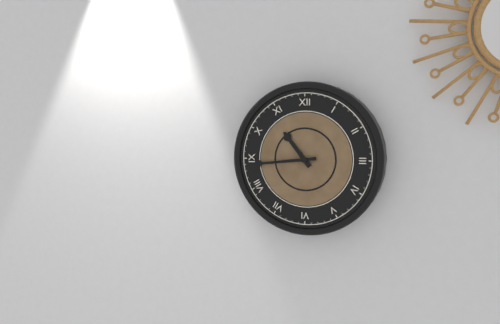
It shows 10h44
